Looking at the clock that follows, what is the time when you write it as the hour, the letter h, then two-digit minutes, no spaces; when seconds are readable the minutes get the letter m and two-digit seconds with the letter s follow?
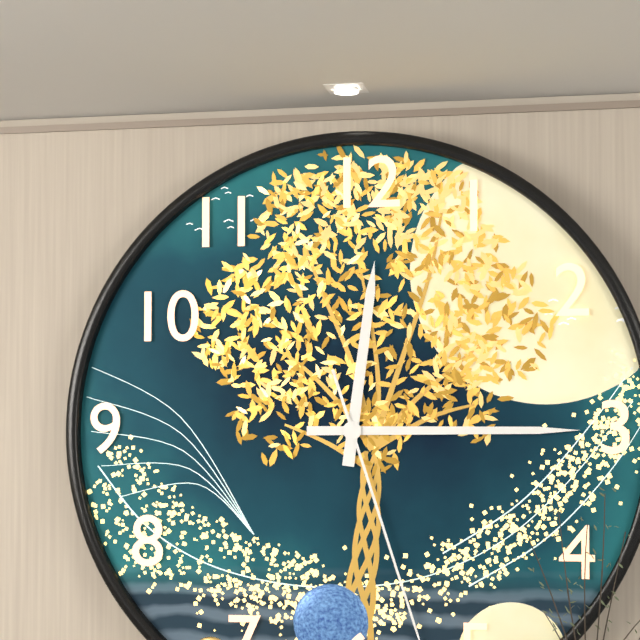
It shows 12h15
